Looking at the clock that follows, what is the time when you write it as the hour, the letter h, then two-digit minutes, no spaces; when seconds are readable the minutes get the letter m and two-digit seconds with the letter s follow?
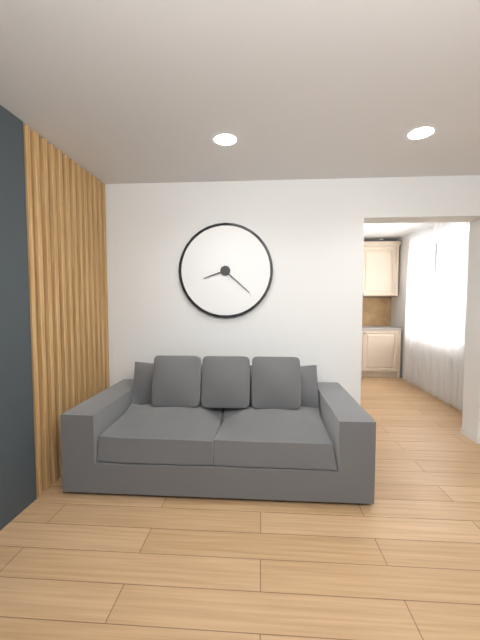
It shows 8h22
